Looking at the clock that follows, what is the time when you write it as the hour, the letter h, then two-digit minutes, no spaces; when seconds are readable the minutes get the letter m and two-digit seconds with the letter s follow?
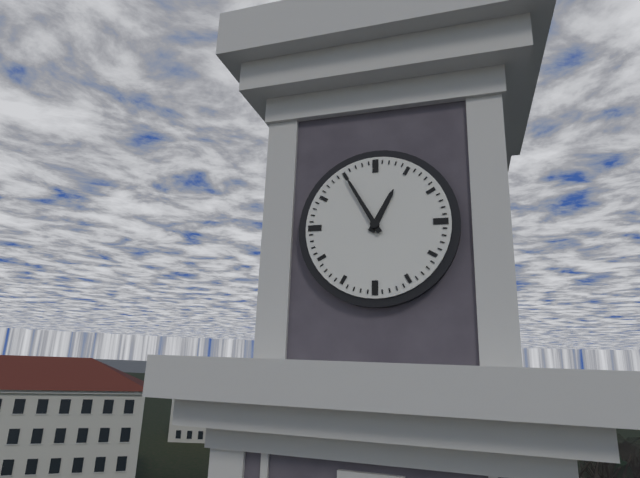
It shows 12h55
